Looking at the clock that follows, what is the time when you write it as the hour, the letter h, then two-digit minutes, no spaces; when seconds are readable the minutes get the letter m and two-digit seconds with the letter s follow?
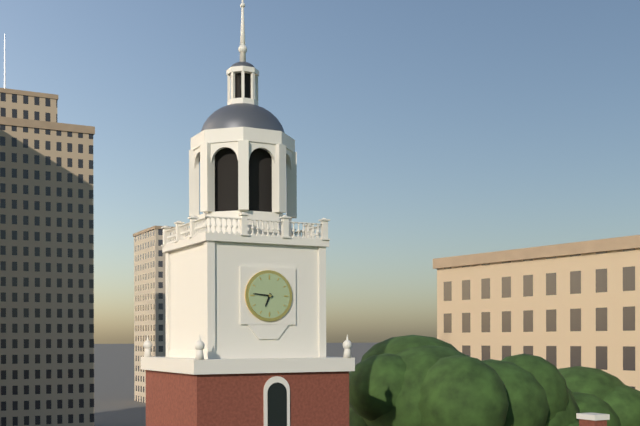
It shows 6h46
